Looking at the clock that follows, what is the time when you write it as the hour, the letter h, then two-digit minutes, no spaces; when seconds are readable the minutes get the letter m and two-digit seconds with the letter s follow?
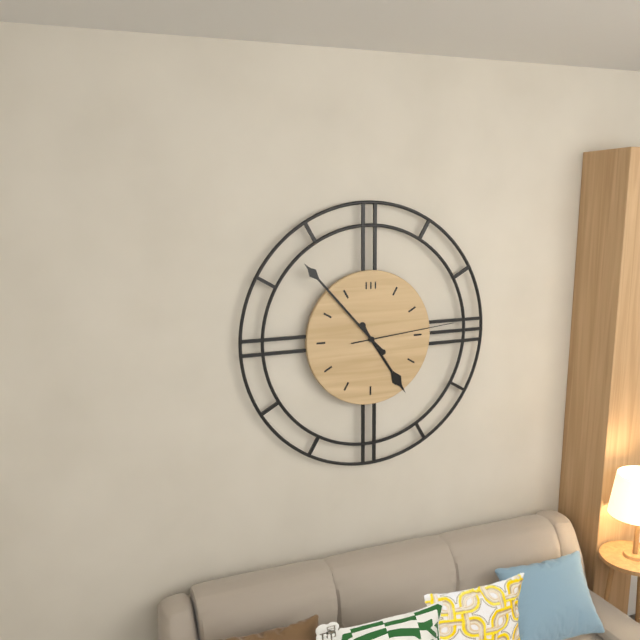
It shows 4h53m14s
